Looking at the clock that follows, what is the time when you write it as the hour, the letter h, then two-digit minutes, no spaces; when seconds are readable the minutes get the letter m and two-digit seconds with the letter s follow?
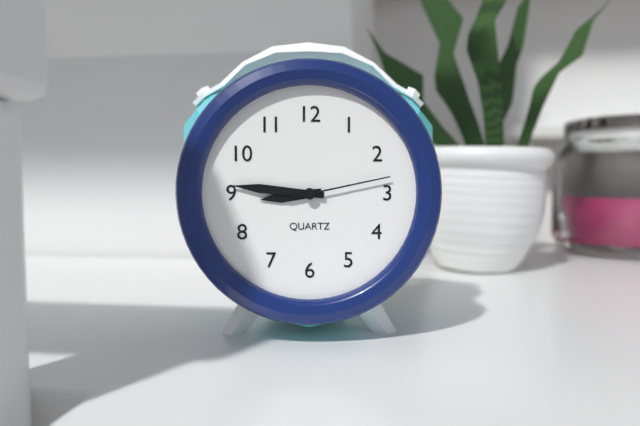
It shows 8h46m13s
